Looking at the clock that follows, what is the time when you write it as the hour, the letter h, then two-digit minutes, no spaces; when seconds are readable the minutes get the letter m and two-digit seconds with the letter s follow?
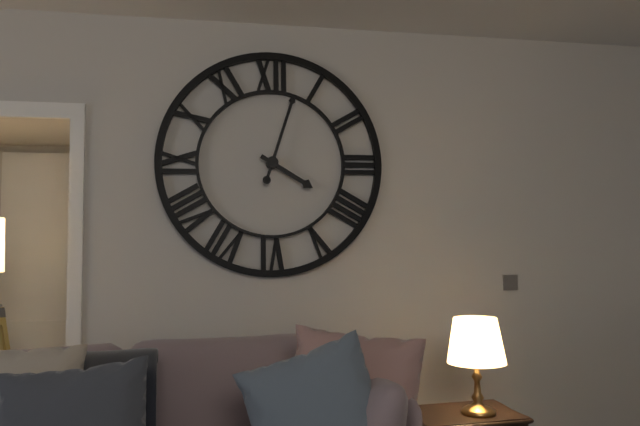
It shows 4h03
